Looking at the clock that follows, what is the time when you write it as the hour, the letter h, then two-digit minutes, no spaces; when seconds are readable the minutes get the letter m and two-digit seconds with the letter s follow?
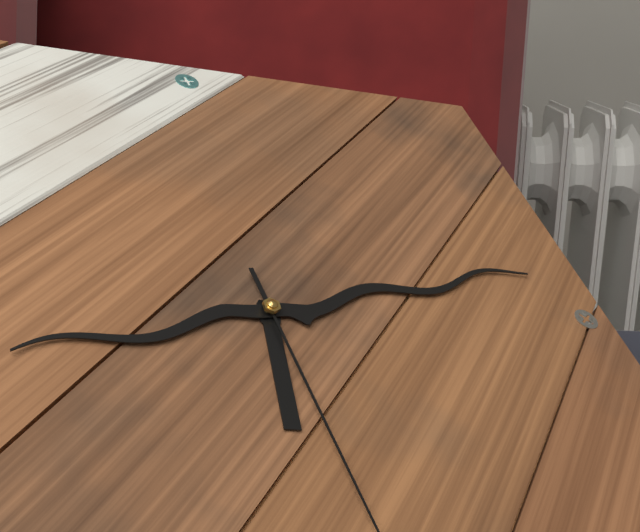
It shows 6h13
